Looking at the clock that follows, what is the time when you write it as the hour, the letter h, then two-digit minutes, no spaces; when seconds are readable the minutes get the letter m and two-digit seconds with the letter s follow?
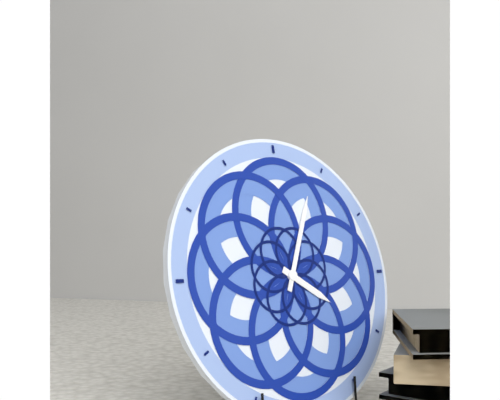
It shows 4h04
